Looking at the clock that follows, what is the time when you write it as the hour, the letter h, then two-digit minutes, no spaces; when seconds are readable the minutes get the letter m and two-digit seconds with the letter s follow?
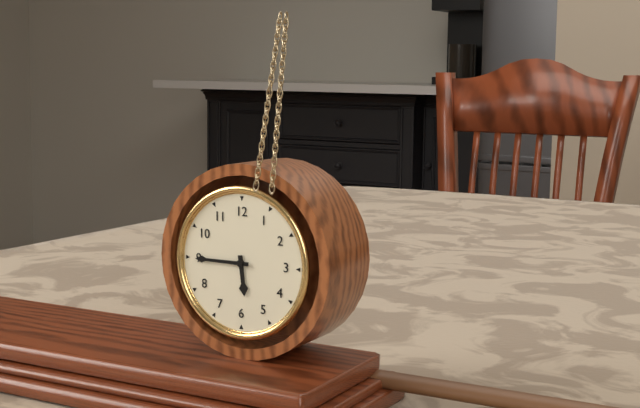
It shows 5h45
